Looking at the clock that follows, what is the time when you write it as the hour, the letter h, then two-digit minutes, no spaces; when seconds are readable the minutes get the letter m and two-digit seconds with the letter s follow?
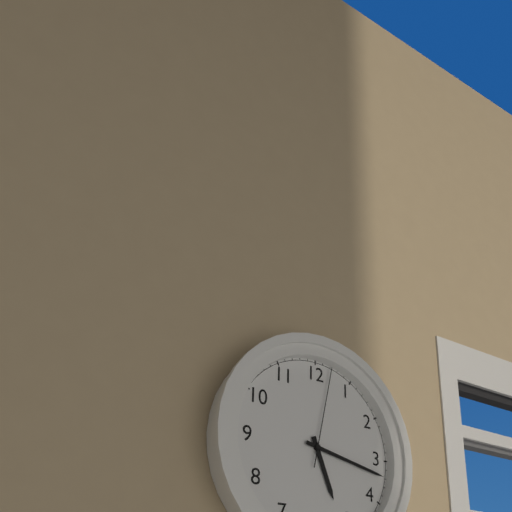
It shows 5h17m02s
